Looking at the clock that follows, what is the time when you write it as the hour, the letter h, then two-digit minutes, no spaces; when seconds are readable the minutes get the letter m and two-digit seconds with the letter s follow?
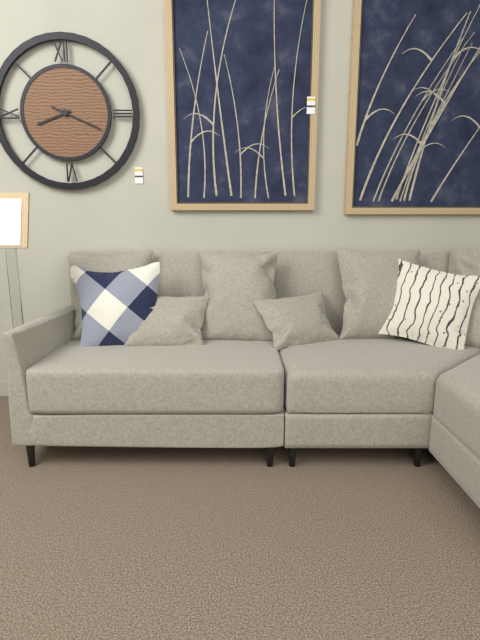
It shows 8h19
